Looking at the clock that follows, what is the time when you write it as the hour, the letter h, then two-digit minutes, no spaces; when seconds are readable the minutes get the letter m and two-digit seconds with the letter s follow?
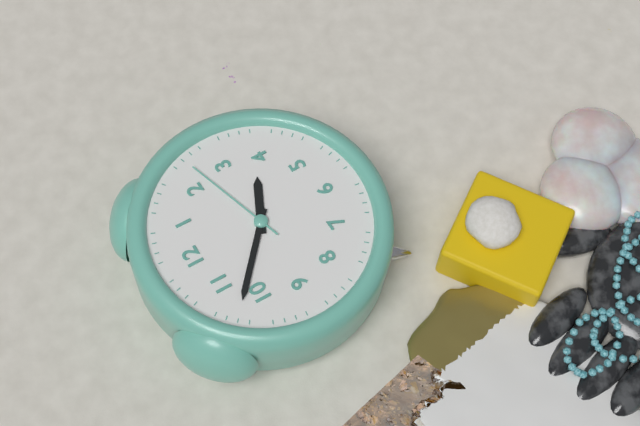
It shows 3h52m12s
